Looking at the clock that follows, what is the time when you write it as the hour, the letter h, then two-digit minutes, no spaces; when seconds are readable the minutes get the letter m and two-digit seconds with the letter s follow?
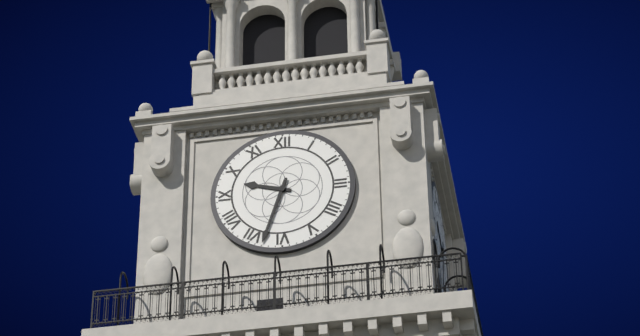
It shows 9h33
